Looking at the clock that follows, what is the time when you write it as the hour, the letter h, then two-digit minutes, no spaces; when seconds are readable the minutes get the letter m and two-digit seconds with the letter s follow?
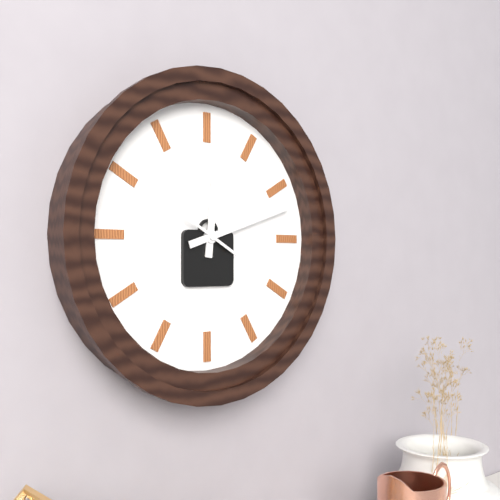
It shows 12h12m50s
